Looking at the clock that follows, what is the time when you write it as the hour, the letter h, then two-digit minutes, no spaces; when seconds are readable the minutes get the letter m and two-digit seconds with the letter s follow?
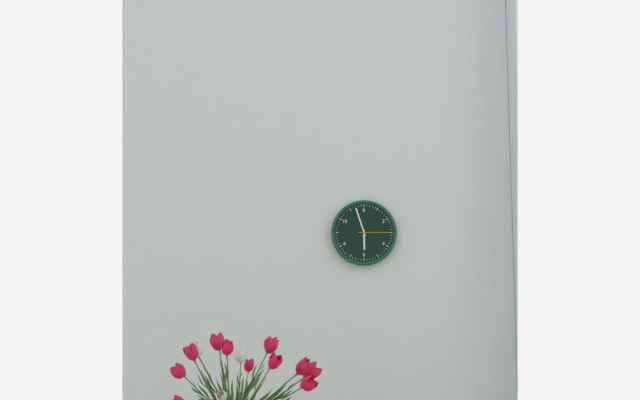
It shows 5h57
